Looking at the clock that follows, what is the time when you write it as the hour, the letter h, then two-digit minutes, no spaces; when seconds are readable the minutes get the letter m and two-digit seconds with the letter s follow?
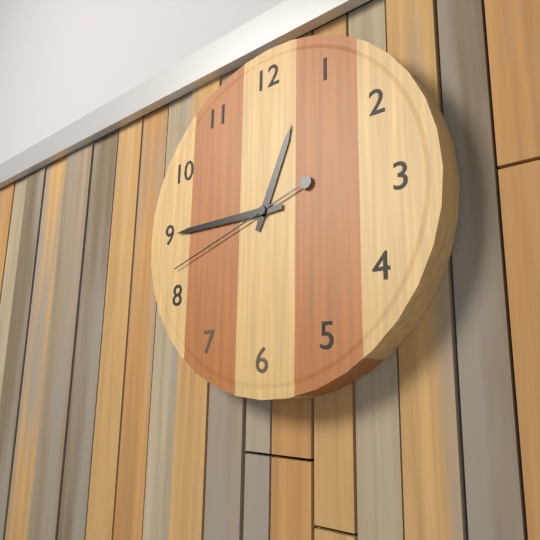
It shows 12h45m42s
